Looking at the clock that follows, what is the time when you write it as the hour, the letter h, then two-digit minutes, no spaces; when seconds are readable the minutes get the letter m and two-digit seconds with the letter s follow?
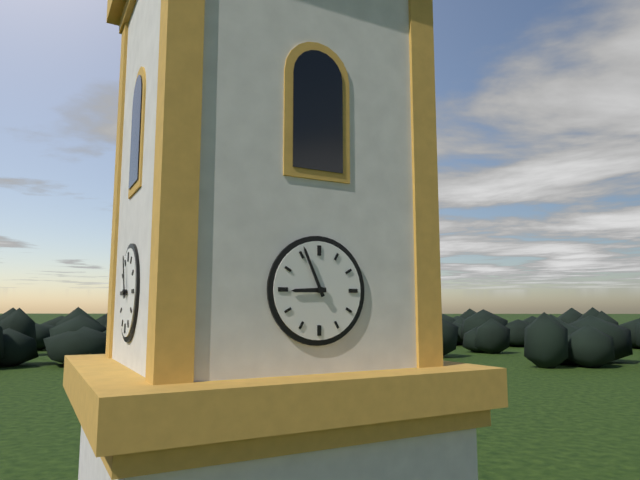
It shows 8h56
